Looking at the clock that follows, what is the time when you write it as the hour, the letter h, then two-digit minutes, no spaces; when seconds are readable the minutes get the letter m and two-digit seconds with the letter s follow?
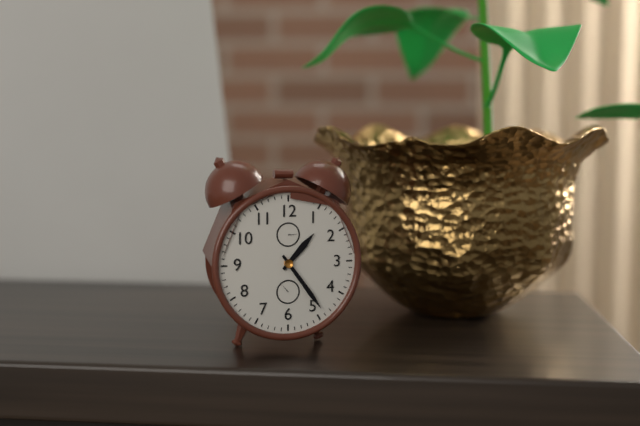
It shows 1h24
